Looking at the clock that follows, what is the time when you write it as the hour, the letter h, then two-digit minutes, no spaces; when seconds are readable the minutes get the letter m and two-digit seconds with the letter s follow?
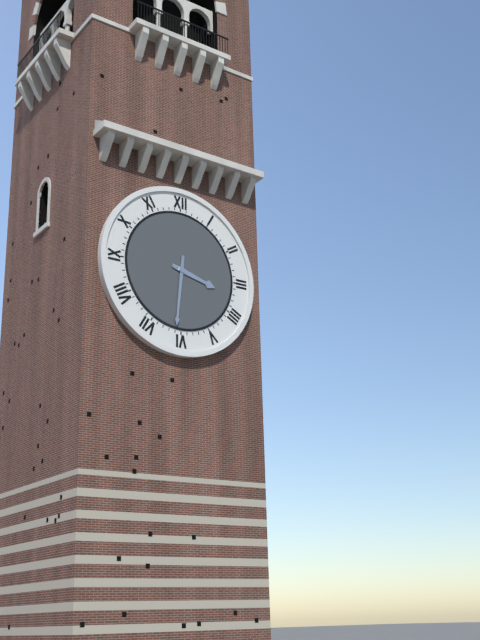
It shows 3h31
